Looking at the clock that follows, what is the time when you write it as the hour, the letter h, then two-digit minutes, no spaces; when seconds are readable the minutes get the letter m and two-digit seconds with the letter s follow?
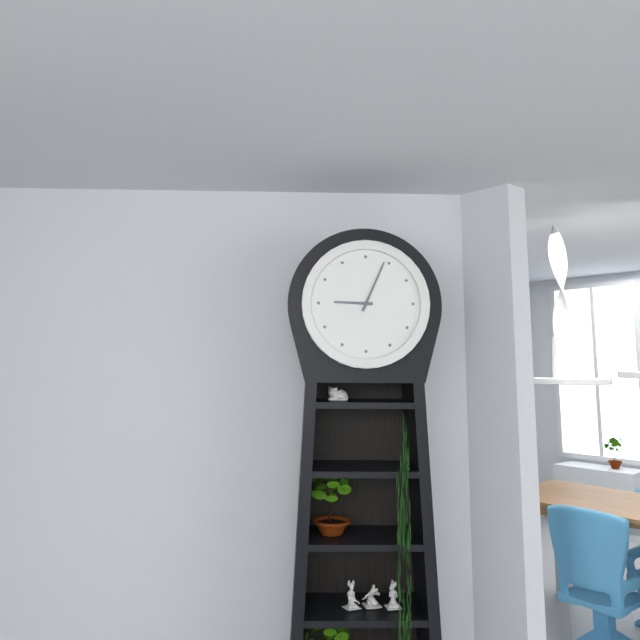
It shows 9h04
